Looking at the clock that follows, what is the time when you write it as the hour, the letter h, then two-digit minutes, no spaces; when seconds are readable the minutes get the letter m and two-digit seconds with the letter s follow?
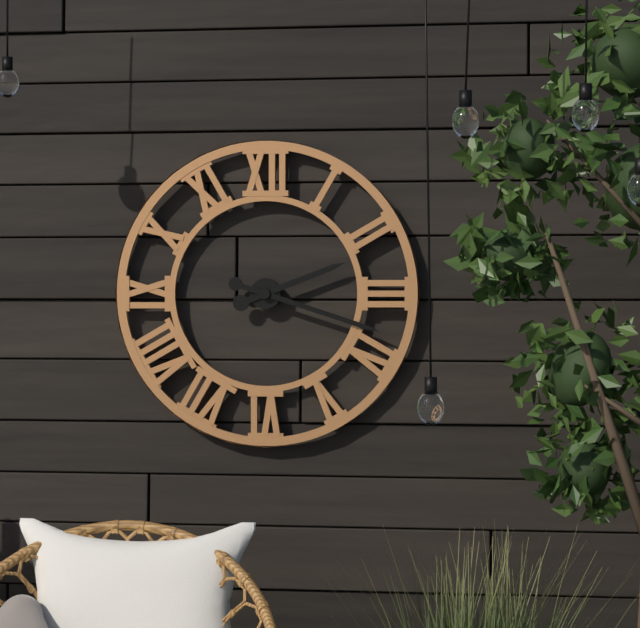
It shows 2h18
